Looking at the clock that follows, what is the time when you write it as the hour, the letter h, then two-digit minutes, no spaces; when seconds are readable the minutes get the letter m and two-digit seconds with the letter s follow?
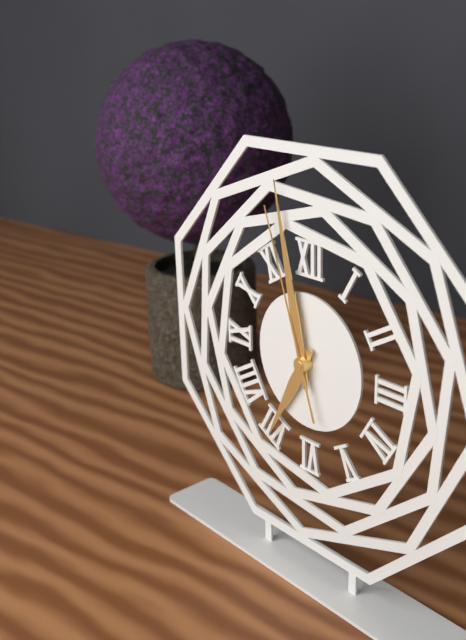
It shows 6h58m57s
